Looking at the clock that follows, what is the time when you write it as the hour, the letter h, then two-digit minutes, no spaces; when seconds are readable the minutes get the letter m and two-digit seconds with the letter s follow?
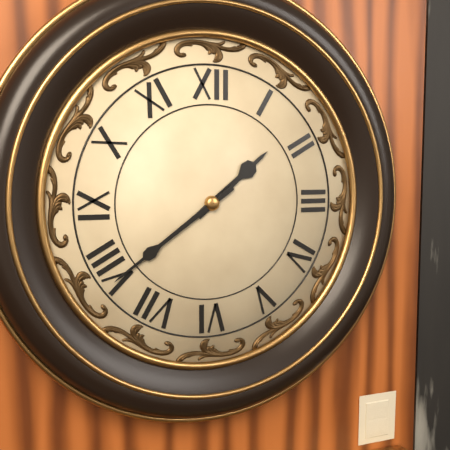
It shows 1h39
